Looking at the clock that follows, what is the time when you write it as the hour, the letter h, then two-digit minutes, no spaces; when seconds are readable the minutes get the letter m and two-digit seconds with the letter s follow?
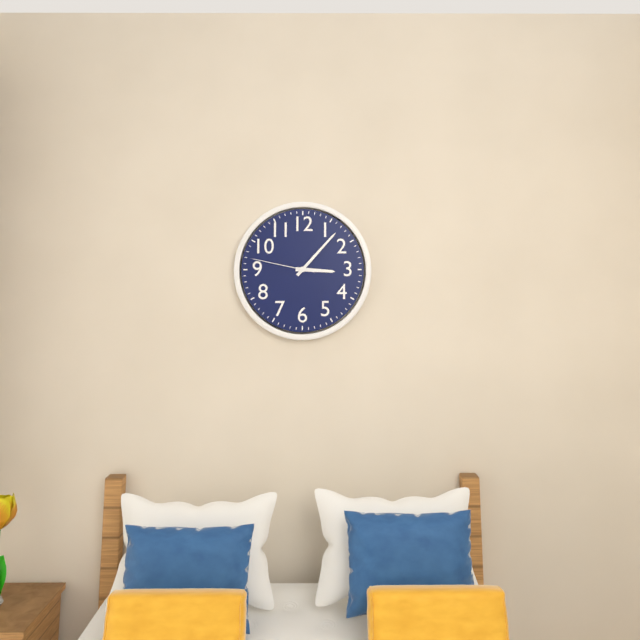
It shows 3h07m47s
